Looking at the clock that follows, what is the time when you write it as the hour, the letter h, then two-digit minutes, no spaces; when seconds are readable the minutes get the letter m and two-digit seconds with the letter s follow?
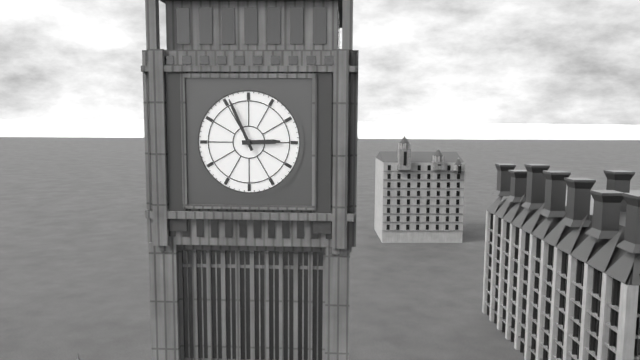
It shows 2h56
